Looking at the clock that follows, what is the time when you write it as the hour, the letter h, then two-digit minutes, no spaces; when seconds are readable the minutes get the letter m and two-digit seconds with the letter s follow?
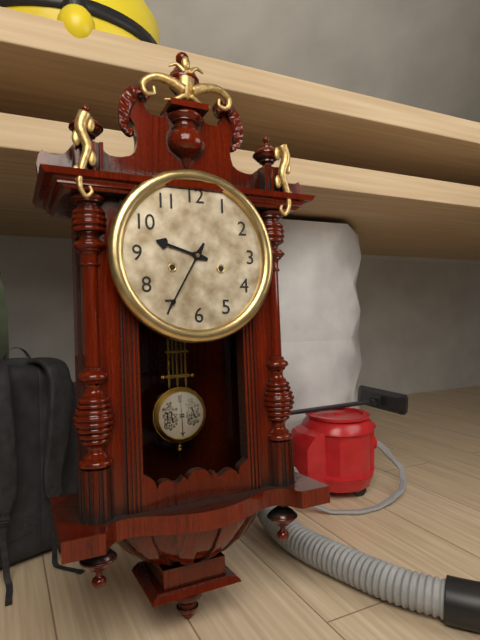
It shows 9h35
